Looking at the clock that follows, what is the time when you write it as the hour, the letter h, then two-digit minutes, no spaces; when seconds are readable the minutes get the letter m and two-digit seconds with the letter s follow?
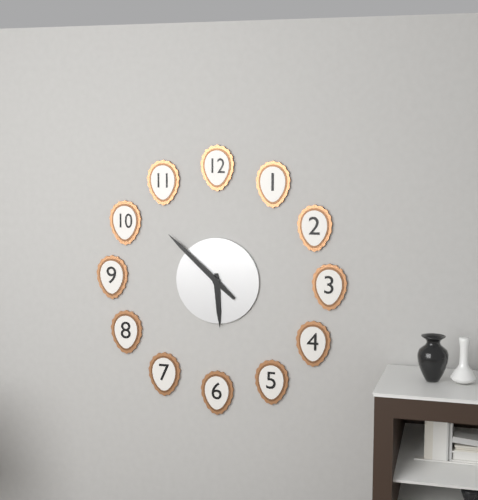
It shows 5h52
